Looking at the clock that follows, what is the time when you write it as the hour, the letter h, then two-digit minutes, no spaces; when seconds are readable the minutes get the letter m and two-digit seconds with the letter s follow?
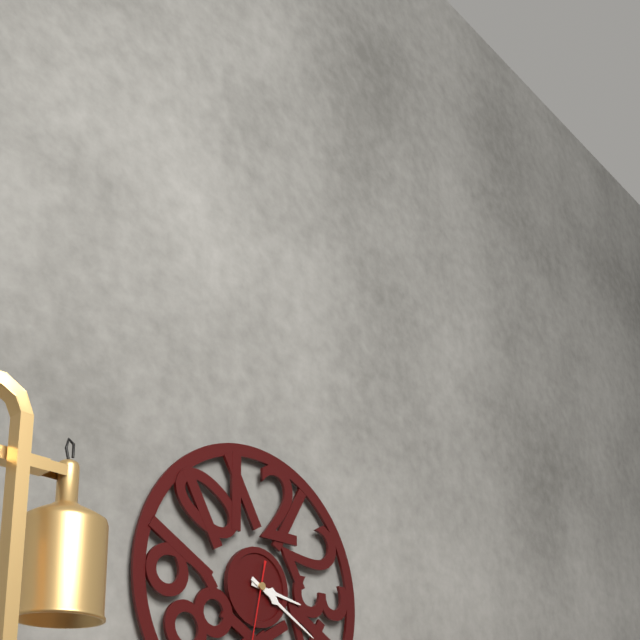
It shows 3h20
